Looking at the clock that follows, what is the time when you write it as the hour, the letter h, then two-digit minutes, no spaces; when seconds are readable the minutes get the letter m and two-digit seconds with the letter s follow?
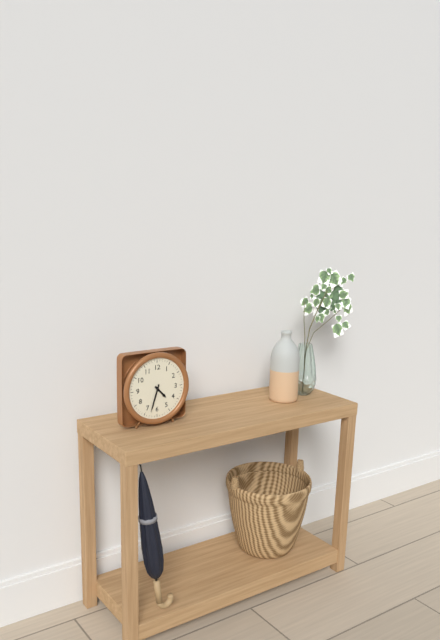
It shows 4h33
